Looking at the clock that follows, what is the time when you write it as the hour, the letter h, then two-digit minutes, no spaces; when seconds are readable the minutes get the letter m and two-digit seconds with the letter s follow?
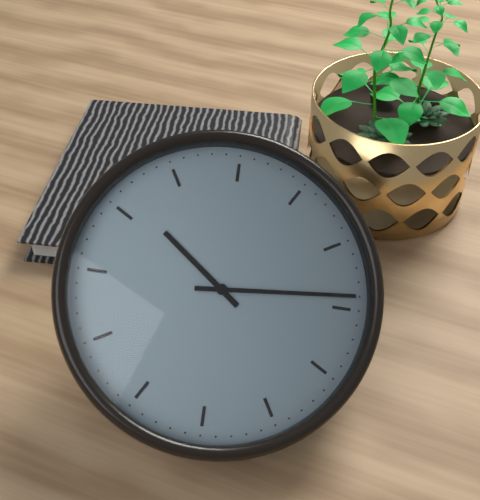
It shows 10h14
